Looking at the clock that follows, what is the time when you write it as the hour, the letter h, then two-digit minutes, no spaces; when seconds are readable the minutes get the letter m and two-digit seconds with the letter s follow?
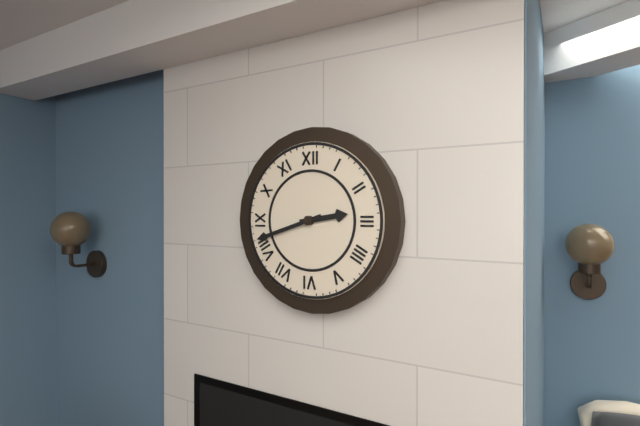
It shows 2h42
